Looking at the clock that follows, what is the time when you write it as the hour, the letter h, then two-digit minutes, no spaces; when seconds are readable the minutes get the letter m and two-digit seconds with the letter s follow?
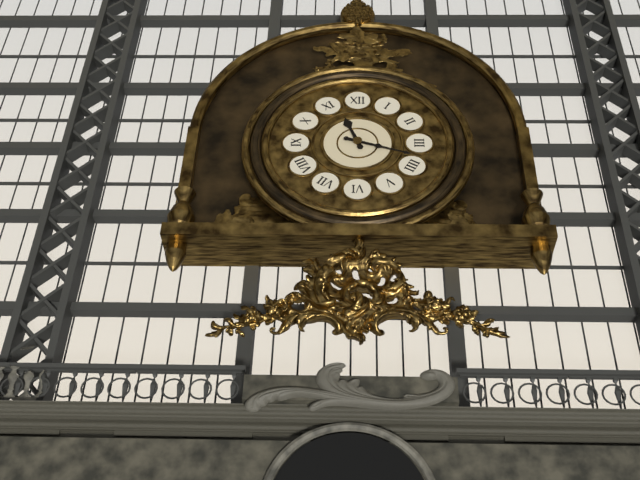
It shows 11h18
